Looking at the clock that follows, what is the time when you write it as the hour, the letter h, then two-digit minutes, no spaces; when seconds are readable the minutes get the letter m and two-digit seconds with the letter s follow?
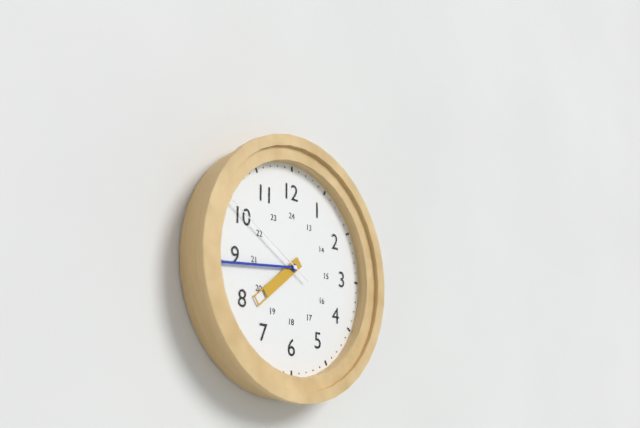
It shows 7h44m50s
